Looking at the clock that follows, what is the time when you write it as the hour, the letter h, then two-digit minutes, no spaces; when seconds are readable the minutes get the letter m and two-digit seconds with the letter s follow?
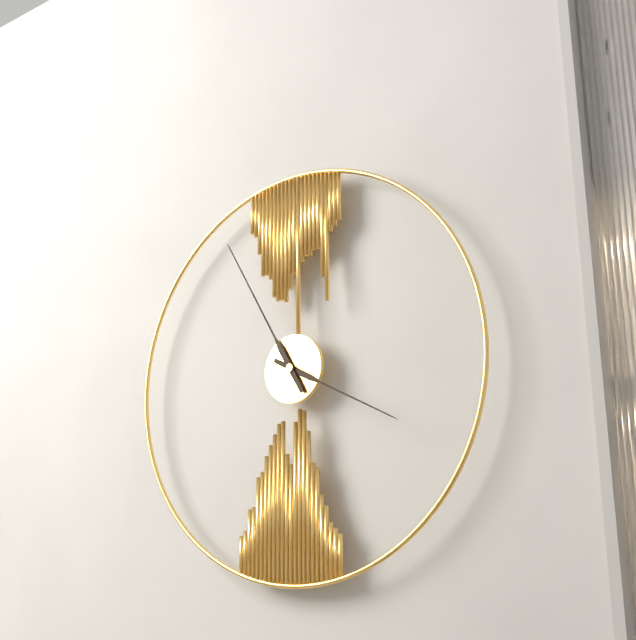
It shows 3h55
